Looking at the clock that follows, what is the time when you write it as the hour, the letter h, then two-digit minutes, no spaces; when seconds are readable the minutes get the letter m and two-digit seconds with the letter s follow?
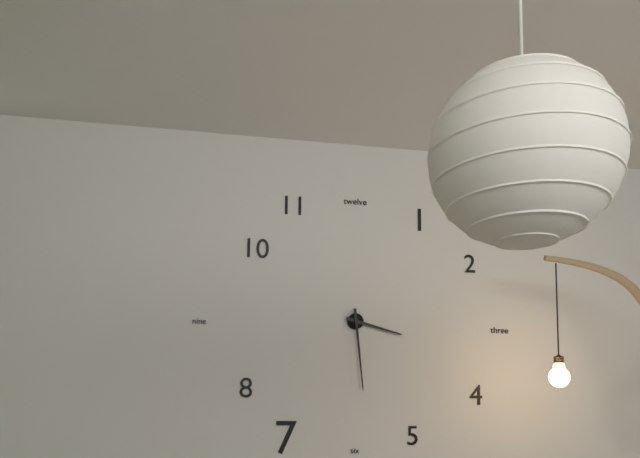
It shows 3h29
